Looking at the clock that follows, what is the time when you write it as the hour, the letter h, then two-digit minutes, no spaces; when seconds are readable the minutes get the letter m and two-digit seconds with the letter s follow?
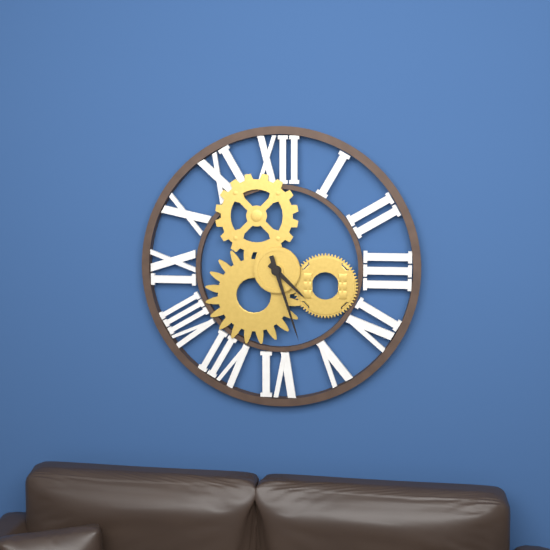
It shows 4h27
